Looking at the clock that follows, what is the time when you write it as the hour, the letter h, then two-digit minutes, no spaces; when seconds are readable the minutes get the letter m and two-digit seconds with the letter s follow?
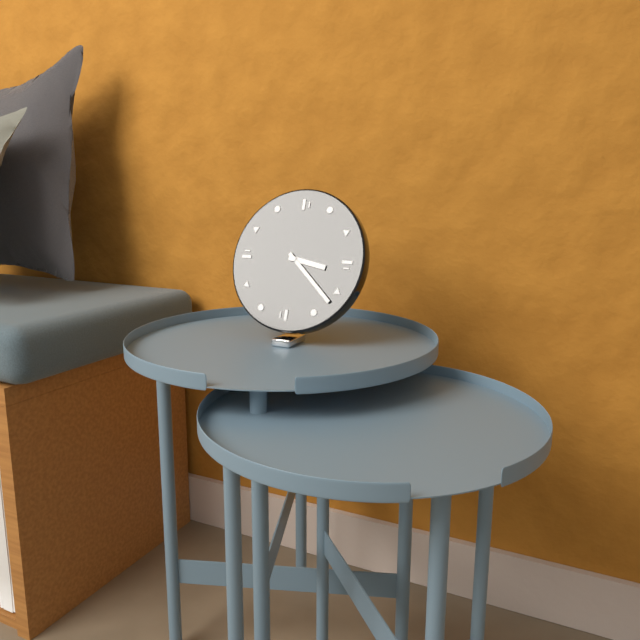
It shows 3h22
